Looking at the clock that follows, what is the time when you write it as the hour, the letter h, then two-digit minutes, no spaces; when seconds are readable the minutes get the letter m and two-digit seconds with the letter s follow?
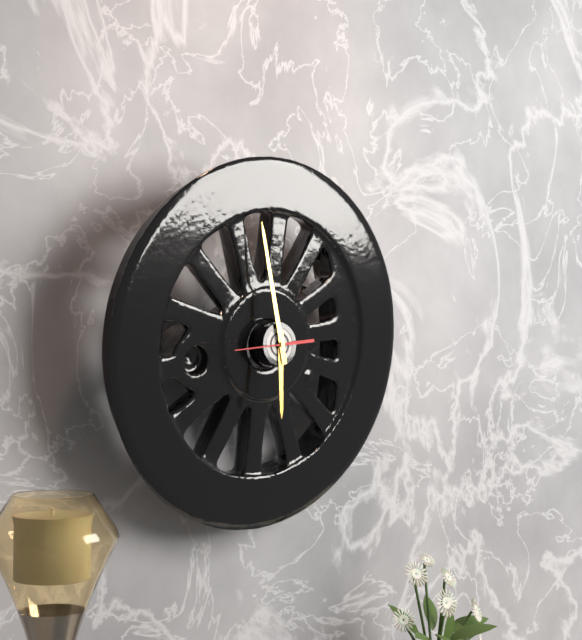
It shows 5h58m44s
